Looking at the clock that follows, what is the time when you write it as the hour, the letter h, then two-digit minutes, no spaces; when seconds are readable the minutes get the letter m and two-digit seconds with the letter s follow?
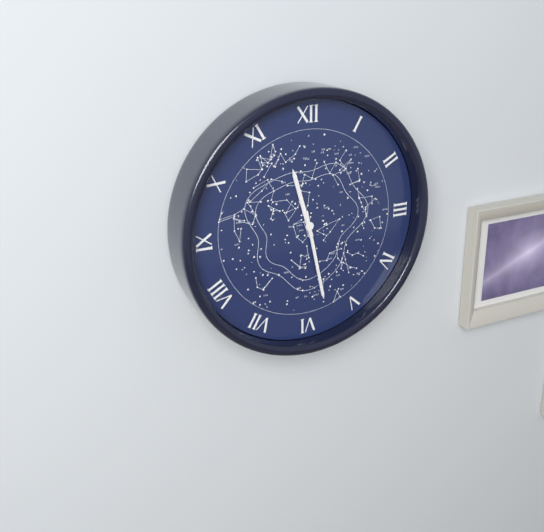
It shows 11h28
